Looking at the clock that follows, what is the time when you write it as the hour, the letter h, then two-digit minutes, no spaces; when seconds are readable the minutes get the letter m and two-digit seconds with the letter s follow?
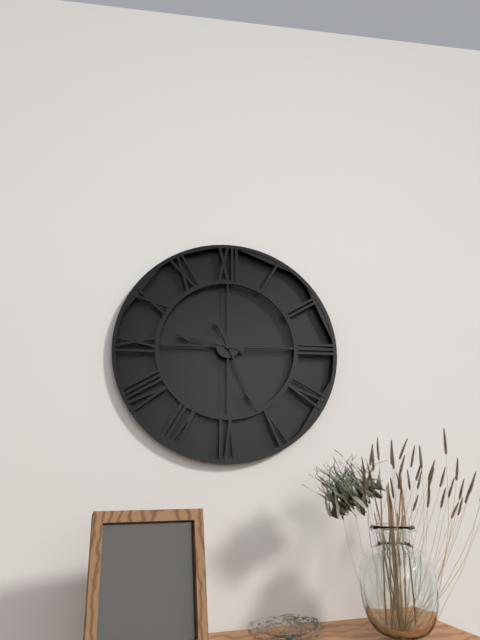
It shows 9h26
